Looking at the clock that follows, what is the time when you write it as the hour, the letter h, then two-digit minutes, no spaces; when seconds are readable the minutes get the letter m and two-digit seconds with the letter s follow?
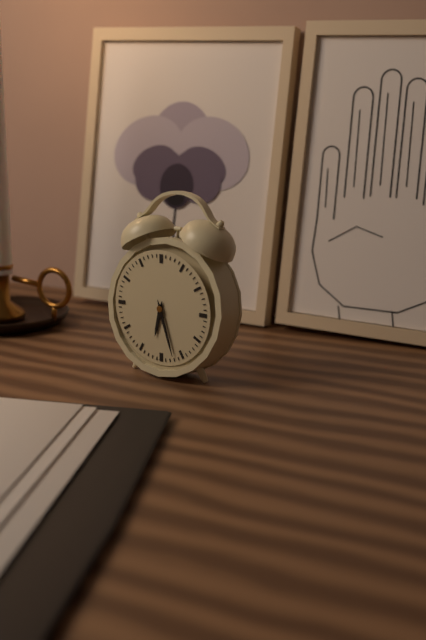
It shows 6h27
